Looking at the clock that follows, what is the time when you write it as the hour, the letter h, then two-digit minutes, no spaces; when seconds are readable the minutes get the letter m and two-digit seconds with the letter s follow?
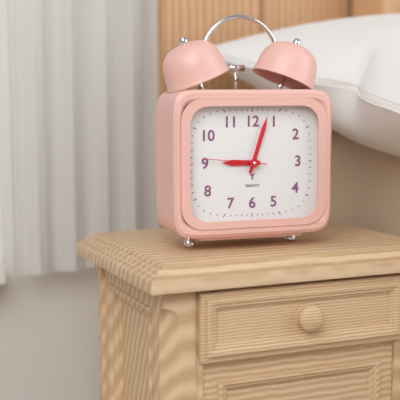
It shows 9h03m46s
